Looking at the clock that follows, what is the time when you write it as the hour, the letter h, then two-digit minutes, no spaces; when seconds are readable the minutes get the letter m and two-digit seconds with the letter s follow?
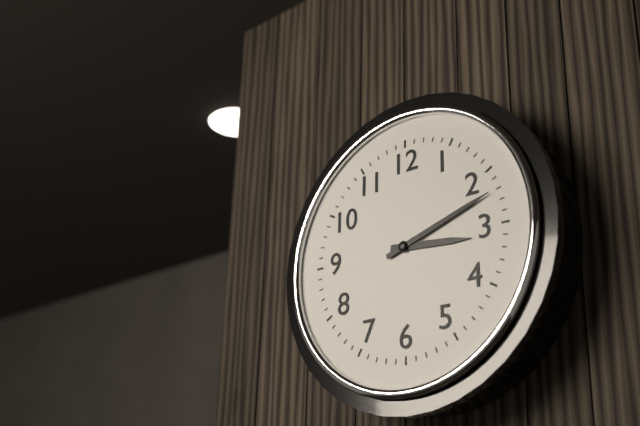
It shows 3h12
